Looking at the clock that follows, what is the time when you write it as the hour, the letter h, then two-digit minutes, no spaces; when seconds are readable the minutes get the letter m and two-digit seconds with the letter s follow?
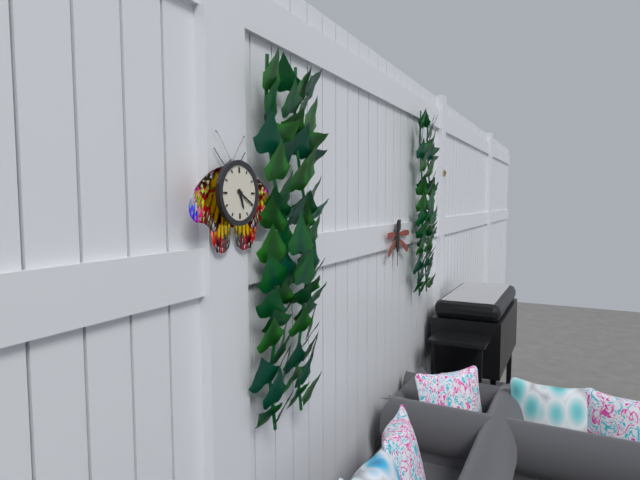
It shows 5h20
